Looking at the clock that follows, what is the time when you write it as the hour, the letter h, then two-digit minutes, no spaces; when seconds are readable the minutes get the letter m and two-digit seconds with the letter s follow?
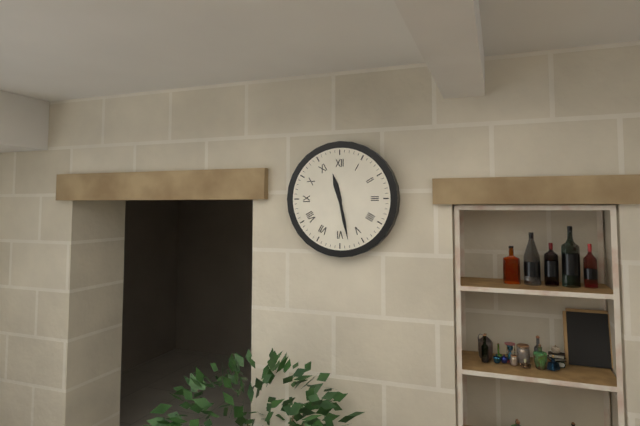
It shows 11h28
